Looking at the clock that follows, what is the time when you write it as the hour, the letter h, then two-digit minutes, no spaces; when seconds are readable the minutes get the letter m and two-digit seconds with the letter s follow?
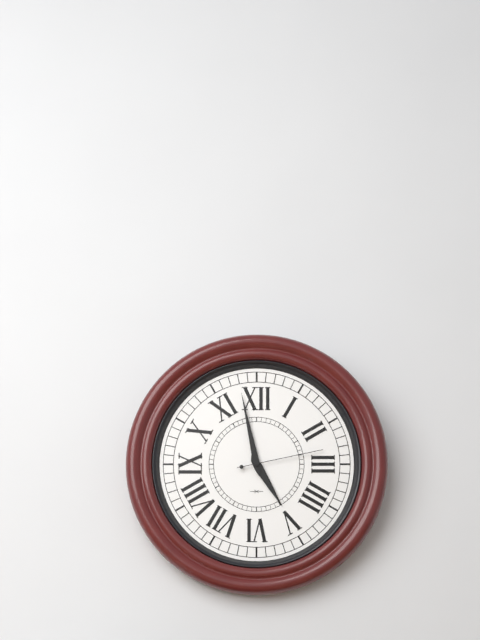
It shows 4h58m13s
